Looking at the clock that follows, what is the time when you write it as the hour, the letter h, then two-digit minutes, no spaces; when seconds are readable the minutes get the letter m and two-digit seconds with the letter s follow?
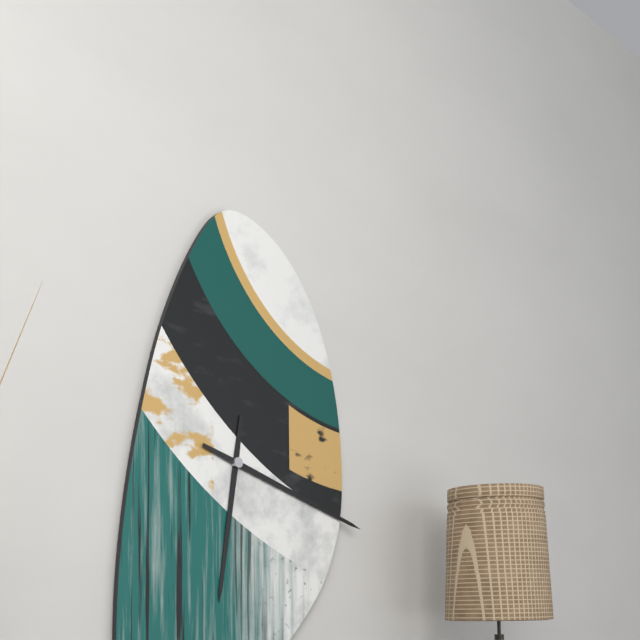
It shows 6h18
